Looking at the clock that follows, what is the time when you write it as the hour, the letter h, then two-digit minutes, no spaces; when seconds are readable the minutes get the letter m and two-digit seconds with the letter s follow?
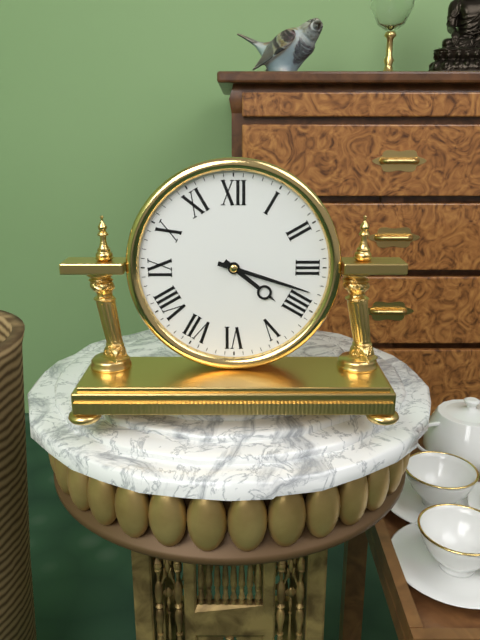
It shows 4h18
